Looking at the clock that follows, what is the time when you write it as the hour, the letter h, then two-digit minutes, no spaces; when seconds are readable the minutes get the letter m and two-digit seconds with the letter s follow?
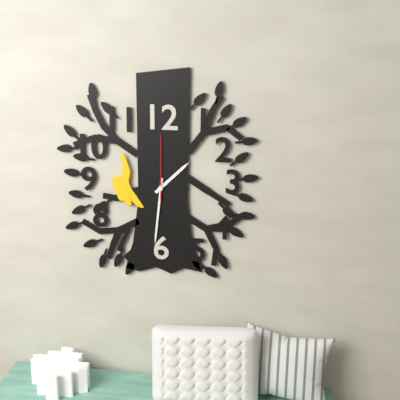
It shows 1h31m00s
